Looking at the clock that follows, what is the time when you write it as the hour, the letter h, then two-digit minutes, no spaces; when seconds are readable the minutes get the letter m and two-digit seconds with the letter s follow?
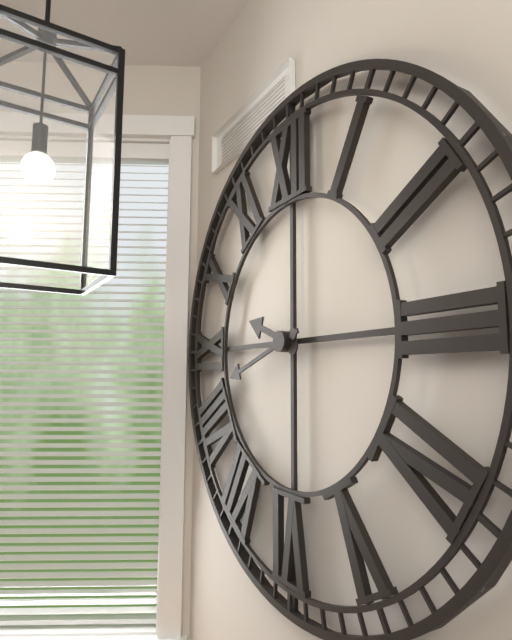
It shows 9h42
